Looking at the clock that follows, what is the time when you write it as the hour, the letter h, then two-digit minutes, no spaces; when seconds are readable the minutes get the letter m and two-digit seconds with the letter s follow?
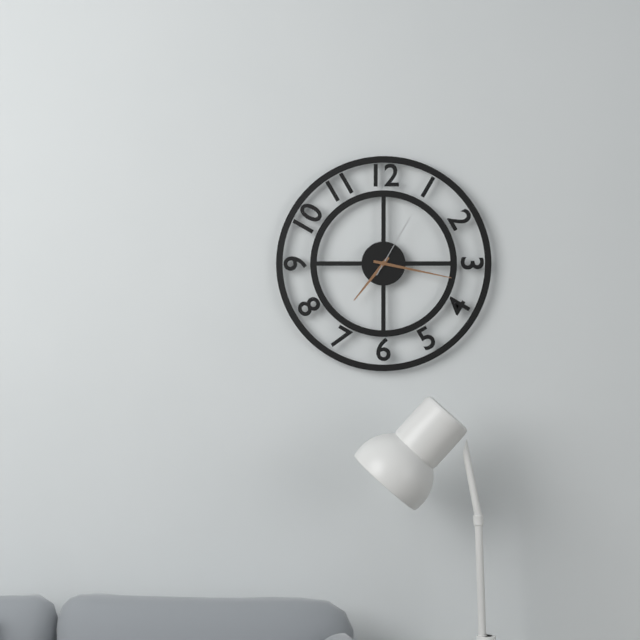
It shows 7h17m05s
